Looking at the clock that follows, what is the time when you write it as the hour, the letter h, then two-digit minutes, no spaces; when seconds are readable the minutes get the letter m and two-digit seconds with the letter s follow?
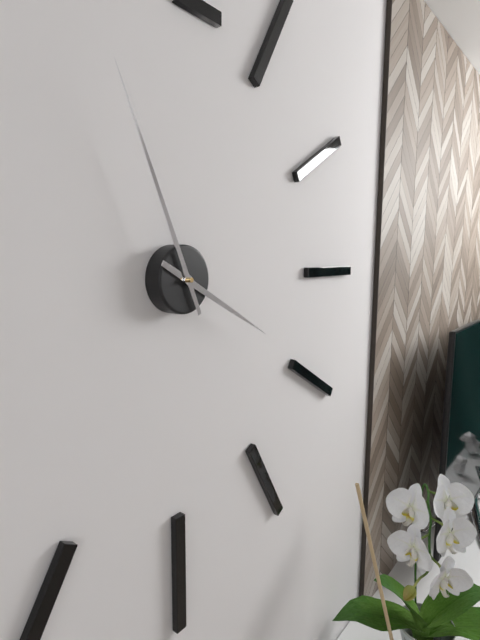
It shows 3h56
